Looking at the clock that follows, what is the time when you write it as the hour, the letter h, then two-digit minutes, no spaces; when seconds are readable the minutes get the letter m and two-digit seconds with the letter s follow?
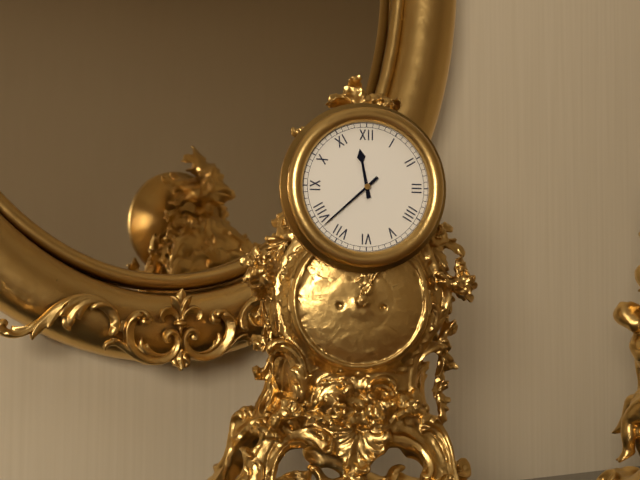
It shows 11h38
